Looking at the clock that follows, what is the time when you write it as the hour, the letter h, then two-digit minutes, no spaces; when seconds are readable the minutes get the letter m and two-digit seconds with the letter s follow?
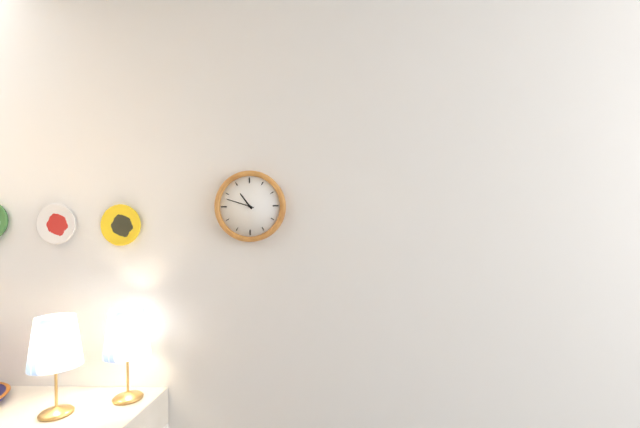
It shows 10h48
